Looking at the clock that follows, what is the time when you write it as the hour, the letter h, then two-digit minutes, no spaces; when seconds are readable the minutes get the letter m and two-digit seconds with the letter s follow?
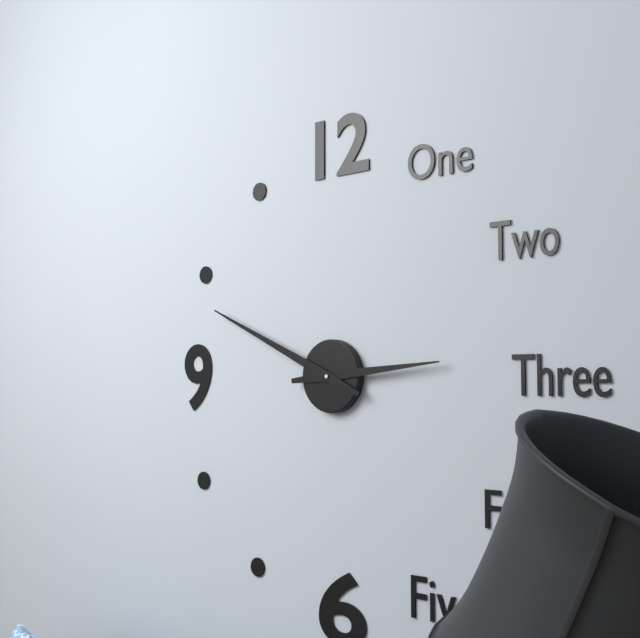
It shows 2h49
